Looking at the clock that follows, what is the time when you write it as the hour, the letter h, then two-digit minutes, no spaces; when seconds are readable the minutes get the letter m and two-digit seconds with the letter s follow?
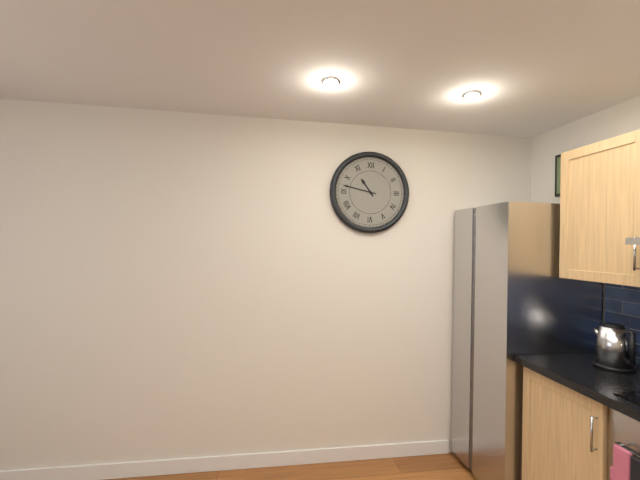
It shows 10h47
